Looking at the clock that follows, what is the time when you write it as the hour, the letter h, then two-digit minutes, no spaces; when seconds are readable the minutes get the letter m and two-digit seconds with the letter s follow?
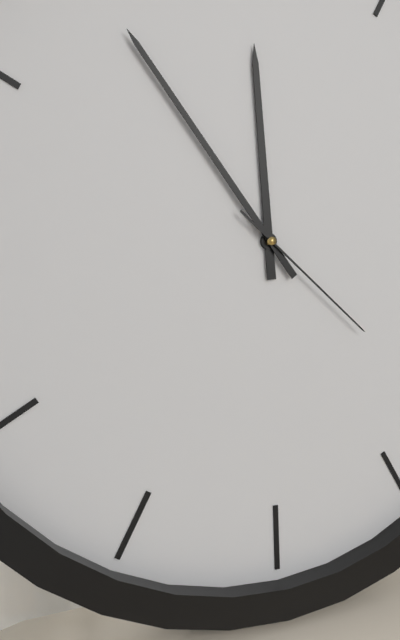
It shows 11h54m22s
